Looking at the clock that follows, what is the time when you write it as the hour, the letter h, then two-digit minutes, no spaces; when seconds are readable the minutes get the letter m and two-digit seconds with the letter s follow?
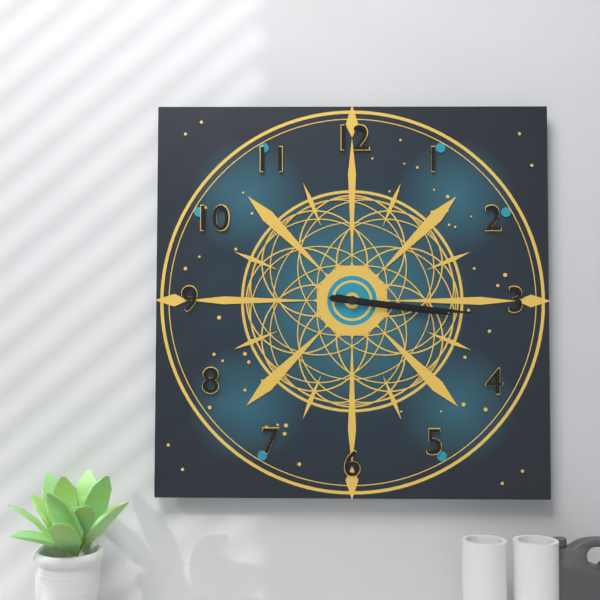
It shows 3h16
